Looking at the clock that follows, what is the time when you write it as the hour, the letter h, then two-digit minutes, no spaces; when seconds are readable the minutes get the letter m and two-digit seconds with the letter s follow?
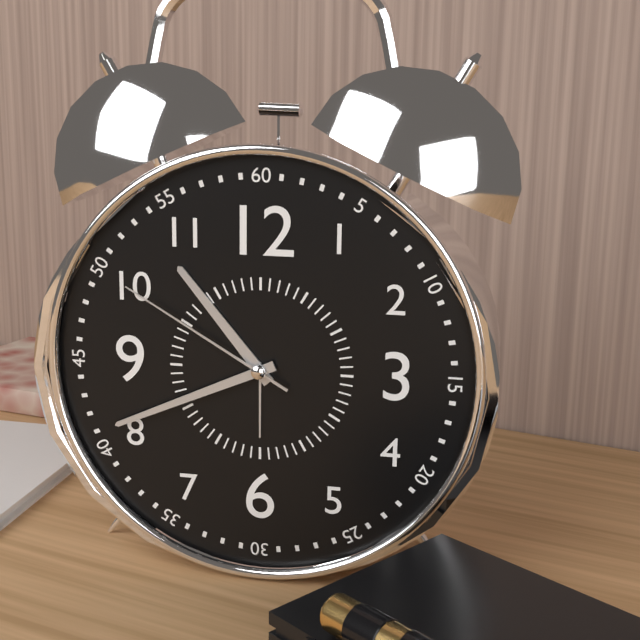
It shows 10h41m50s
